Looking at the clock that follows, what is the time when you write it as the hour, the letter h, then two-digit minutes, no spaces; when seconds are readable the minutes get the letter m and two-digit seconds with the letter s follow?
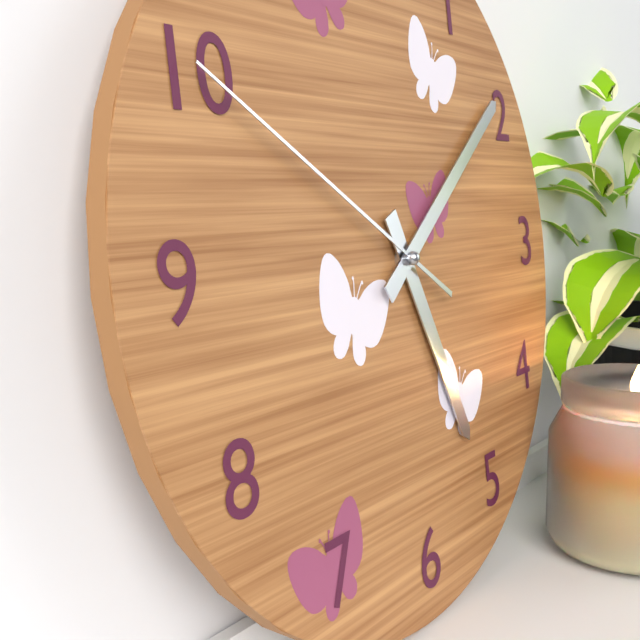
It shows 5h09m50s
